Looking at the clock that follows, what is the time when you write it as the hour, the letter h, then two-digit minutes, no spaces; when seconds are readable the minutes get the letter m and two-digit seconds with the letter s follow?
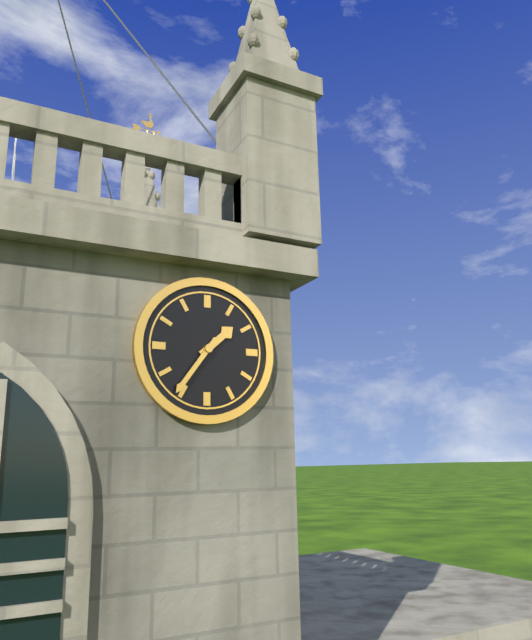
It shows 1h36
